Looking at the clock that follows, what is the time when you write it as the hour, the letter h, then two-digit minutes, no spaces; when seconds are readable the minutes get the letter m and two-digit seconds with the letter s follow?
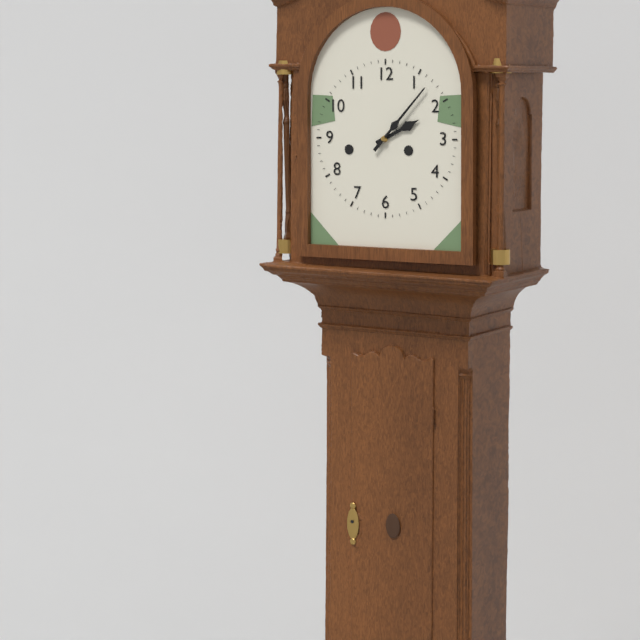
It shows 2h07
